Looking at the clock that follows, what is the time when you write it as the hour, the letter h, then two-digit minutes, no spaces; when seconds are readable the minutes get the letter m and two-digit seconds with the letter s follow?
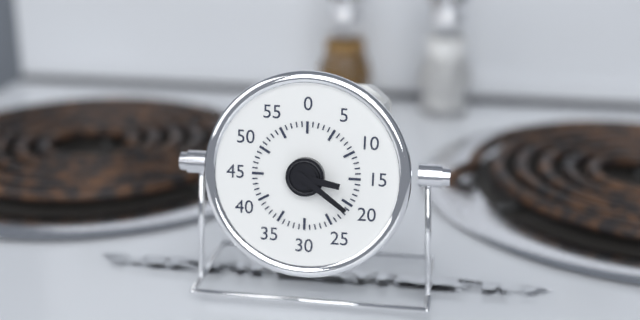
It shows 3h21
